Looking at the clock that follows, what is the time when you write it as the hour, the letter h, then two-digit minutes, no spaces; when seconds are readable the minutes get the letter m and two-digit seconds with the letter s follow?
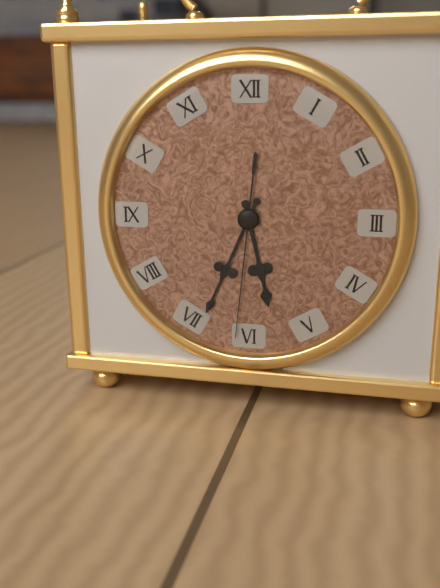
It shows 5h34m31s
